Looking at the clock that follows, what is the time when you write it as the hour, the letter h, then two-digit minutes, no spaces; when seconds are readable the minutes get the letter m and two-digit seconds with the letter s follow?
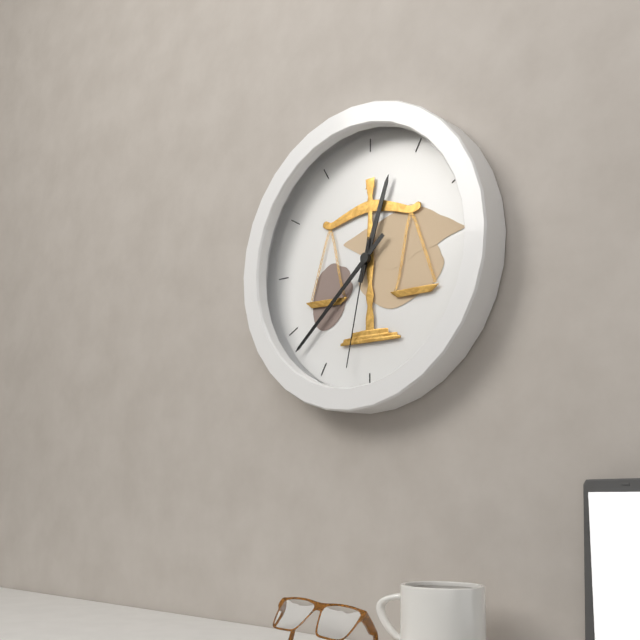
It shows 12h38m32s
